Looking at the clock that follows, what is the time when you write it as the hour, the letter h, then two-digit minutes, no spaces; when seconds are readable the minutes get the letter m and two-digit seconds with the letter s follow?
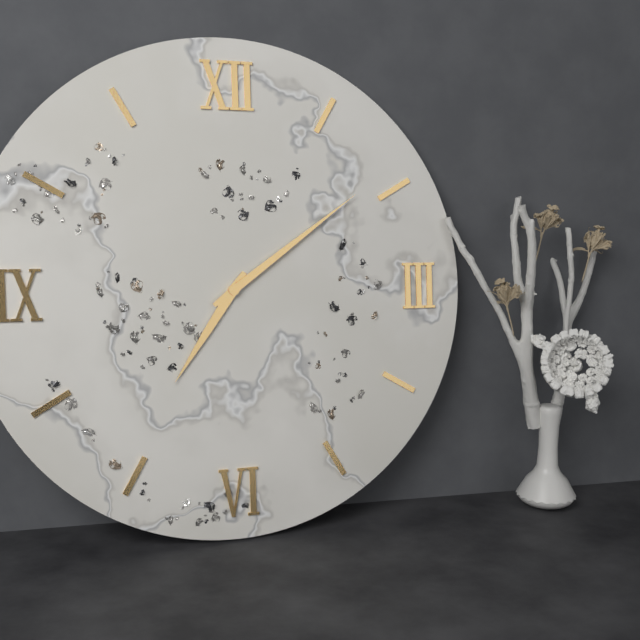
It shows 7h09
